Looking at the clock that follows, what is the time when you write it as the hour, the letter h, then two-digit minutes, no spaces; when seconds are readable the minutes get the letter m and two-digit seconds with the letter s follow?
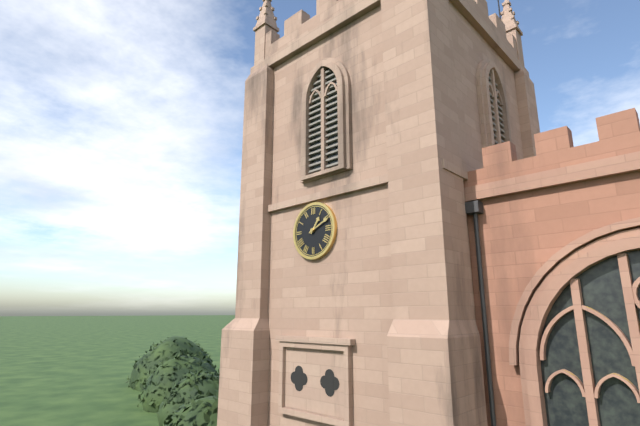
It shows 1h11
